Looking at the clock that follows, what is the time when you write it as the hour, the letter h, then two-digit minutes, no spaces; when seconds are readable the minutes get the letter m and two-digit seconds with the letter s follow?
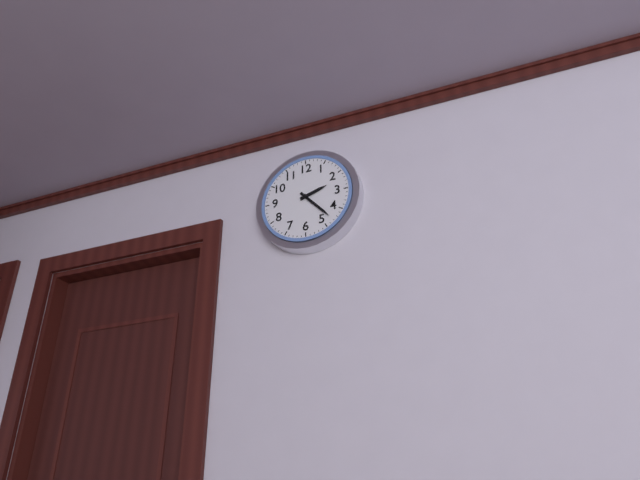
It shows 2h23
